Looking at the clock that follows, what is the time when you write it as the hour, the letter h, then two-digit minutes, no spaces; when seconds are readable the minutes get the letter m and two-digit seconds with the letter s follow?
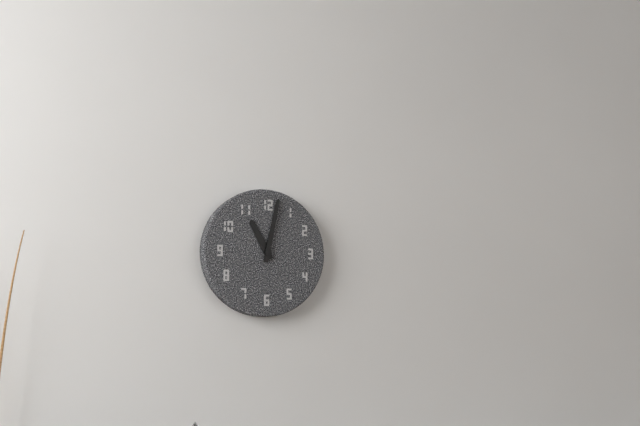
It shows 11h02
